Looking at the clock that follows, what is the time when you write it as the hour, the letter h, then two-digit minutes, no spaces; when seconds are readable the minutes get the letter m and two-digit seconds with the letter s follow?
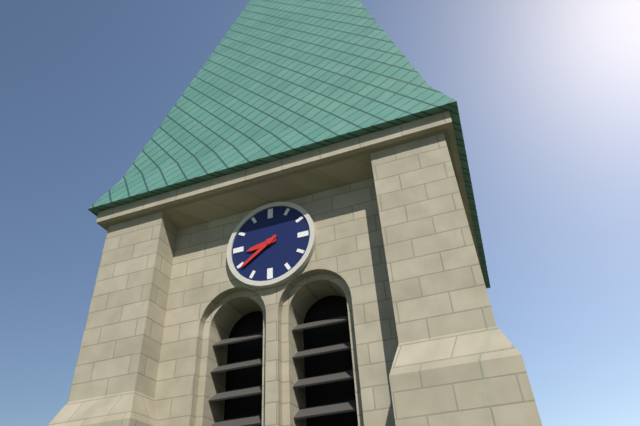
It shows 8h39
